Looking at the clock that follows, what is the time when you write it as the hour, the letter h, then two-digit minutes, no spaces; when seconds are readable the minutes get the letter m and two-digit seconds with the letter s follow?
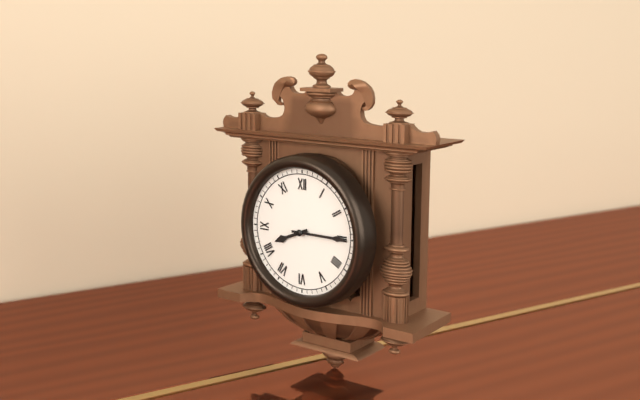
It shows 8h15
